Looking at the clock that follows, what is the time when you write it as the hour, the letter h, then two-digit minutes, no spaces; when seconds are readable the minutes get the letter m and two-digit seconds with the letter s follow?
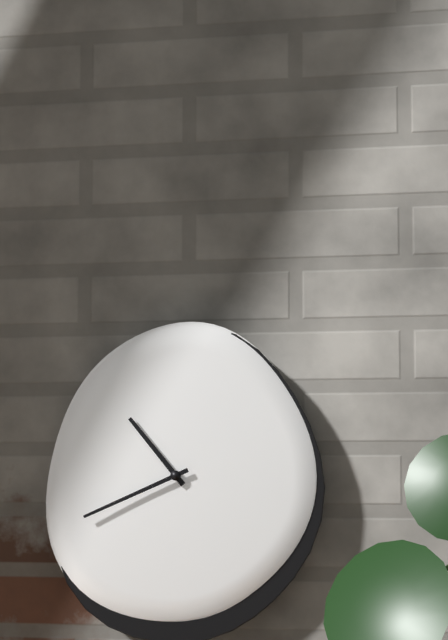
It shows 10h41
